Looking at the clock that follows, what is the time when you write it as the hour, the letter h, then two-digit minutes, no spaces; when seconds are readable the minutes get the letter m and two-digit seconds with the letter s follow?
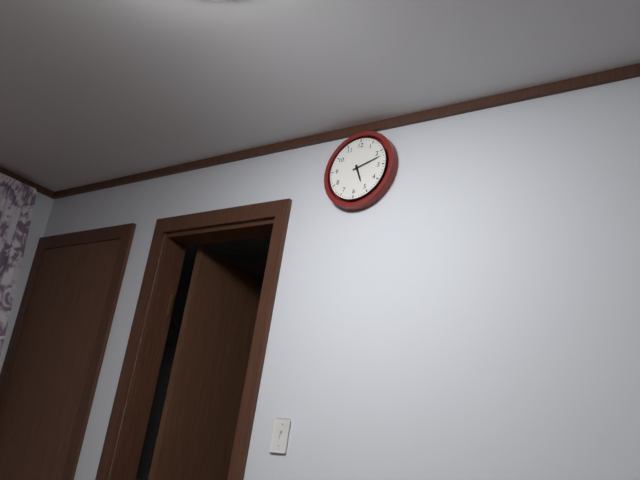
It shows 5h12
